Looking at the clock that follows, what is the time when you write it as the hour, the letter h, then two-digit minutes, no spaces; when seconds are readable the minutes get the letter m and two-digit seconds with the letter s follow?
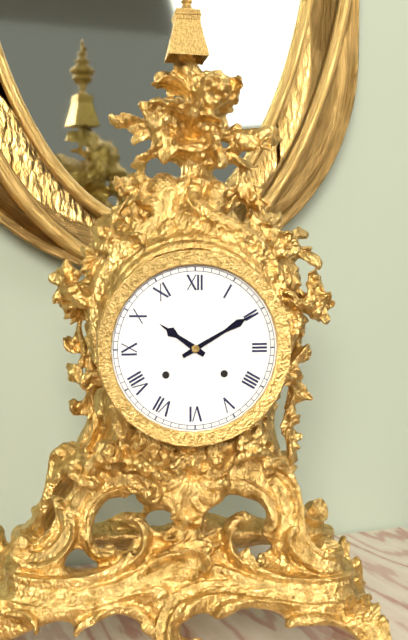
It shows 10h10
